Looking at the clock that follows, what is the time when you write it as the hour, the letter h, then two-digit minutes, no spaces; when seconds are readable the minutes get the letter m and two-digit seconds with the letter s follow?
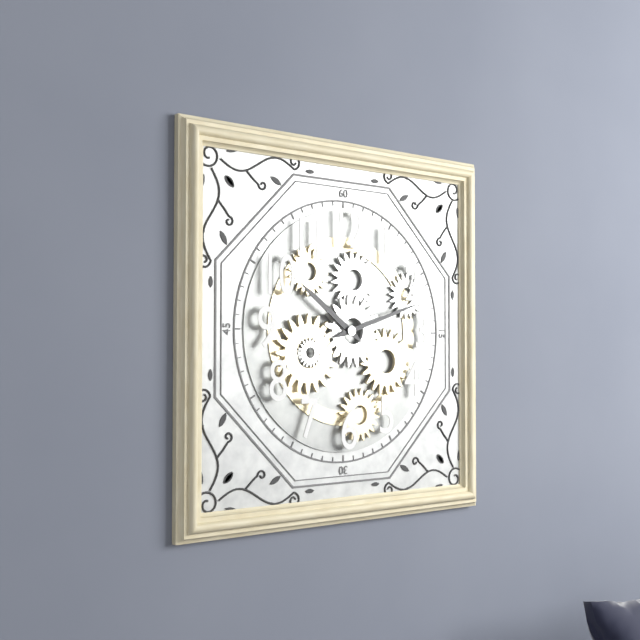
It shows 10h12
